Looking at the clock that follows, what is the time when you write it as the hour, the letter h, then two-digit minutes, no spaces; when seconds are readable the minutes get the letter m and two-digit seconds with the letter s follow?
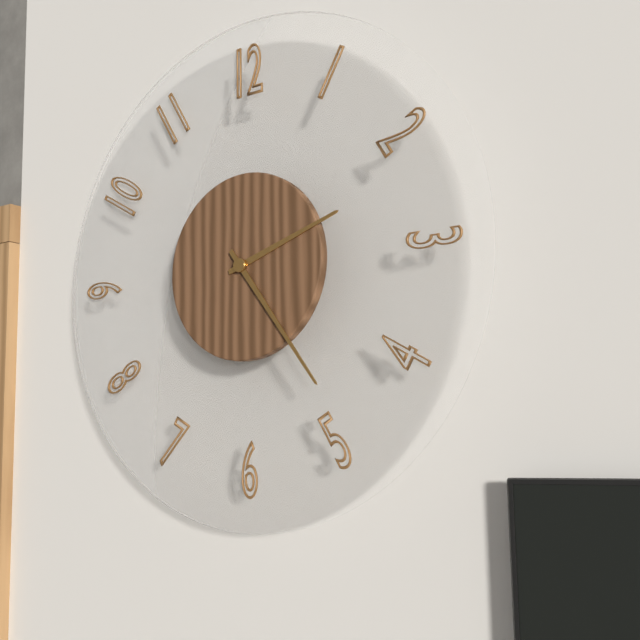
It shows 2h24
